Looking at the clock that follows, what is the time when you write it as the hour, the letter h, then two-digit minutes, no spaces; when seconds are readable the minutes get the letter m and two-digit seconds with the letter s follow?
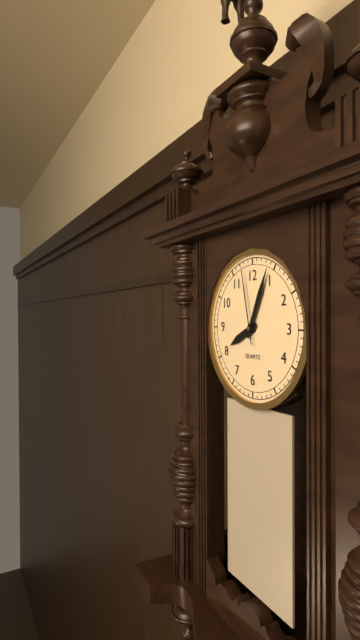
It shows 8h04m58s
